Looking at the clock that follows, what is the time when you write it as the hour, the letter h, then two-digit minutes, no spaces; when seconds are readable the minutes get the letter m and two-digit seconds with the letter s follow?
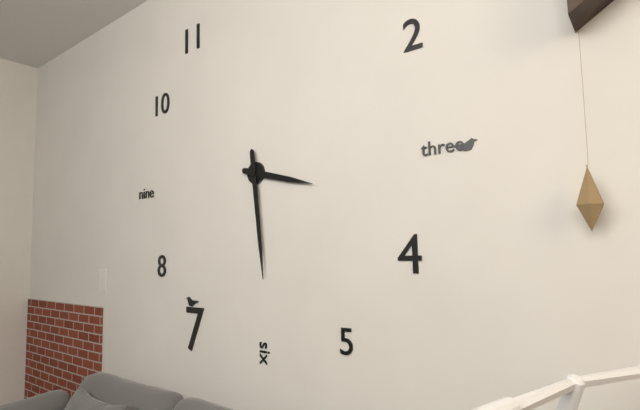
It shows 3h29
